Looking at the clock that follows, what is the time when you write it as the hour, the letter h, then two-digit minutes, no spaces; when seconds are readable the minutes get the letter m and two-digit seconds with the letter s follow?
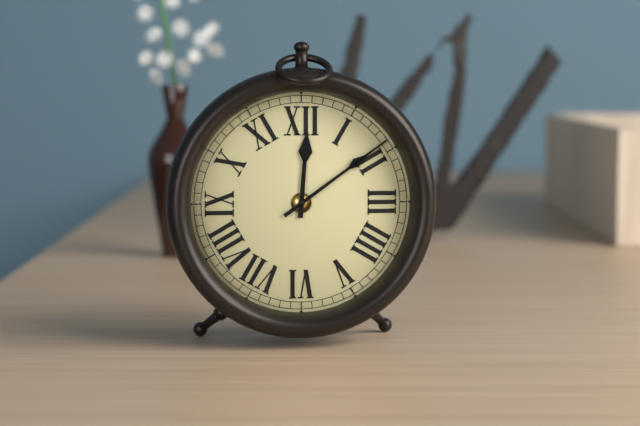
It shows 12h09
